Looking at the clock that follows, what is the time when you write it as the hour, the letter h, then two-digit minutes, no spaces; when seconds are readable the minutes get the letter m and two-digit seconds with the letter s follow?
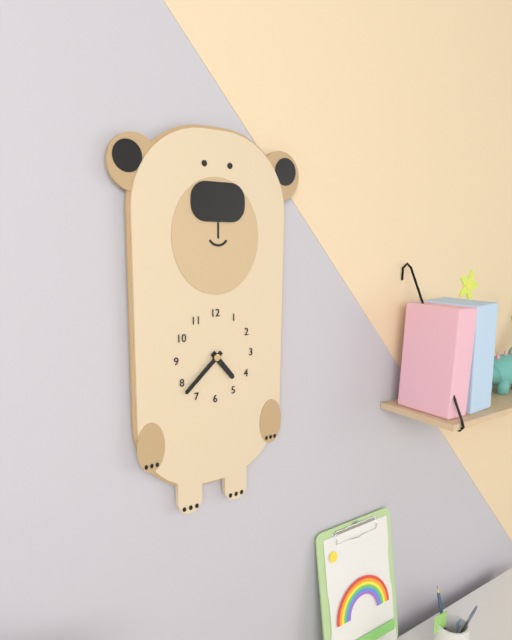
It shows 4h38
